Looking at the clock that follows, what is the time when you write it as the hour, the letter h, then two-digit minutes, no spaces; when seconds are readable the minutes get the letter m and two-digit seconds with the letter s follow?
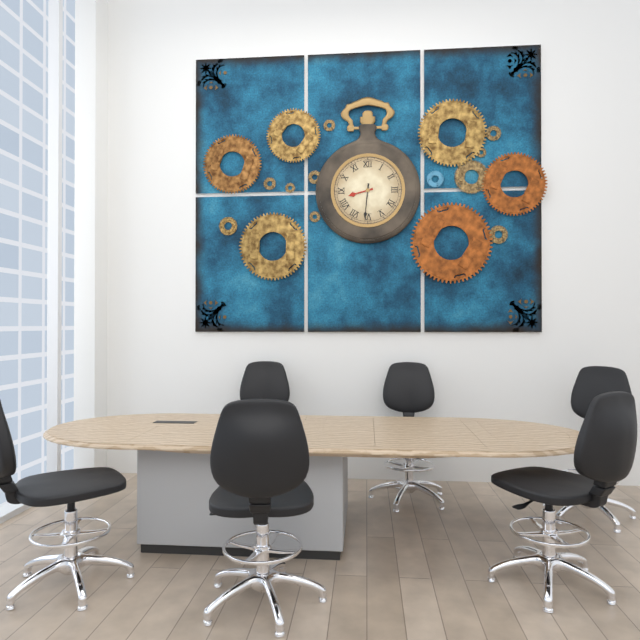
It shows 8h31
